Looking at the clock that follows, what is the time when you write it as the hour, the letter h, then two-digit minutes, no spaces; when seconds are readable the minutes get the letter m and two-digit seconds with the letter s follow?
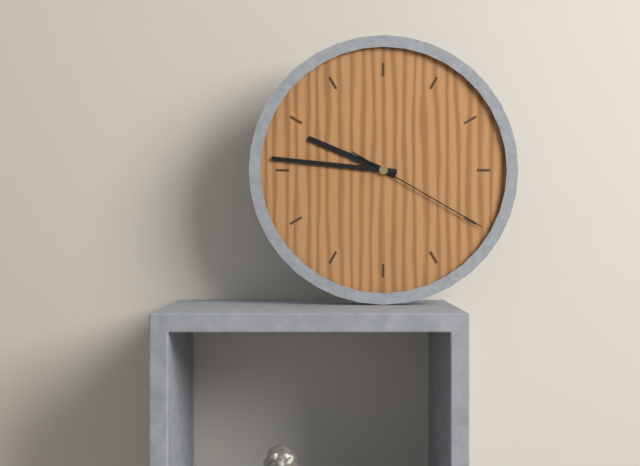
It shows 9h46m20s
